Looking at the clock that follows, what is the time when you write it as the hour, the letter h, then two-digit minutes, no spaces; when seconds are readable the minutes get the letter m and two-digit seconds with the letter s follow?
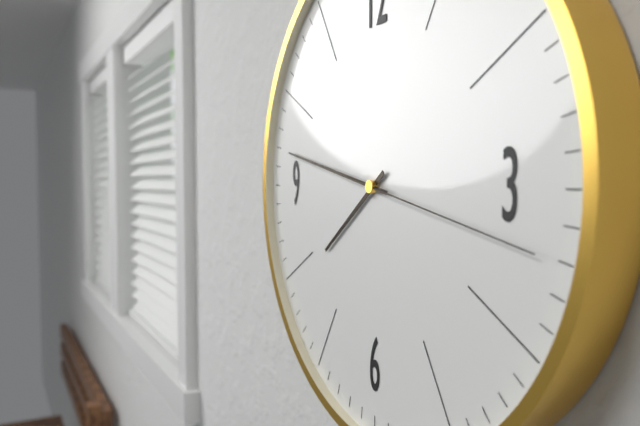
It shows 7h47m17s
